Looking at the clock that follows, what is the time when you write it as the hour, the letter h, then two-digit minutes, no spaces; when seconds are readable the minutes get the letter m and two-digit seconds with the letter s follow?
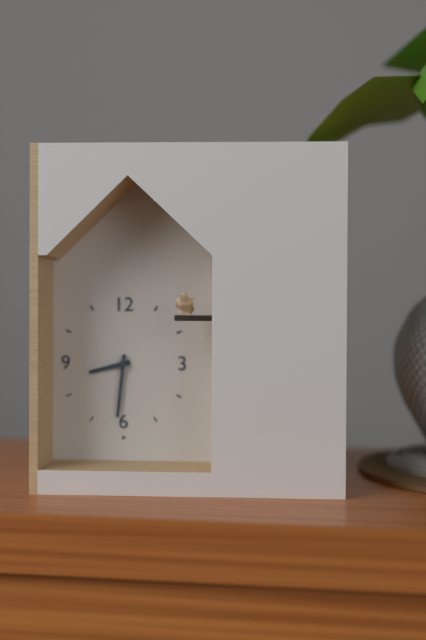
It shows 8h31
